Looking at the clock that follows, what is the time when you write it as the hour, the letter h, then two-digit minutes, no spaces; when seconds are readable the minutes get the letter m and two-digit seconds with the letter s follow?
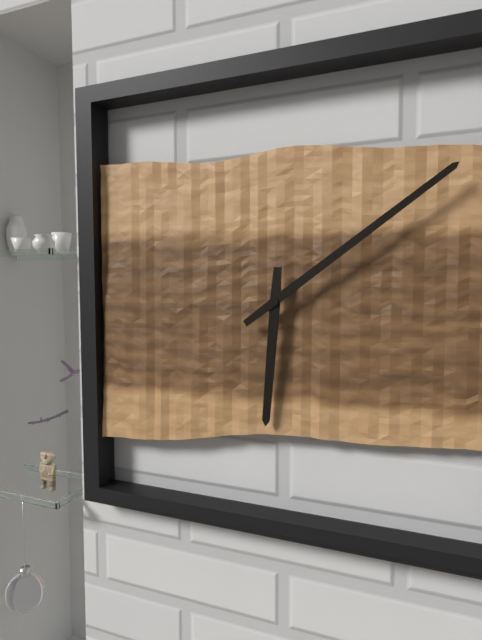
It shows 6h09
